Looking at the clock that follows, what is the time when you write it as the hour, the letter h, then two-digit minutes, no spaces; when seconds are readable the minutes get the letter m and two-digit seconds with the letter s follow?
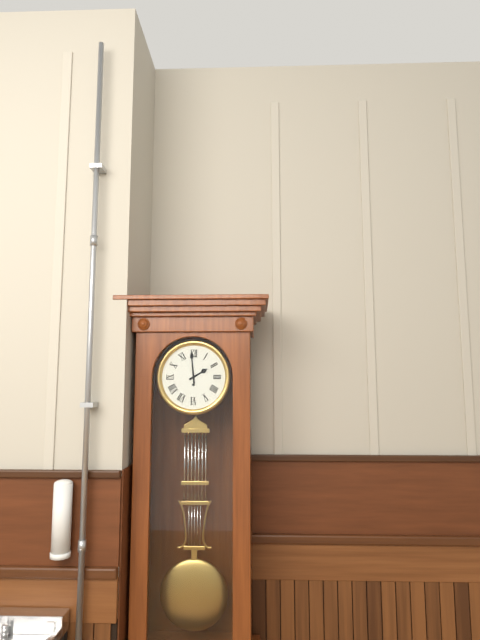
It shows 1h59
